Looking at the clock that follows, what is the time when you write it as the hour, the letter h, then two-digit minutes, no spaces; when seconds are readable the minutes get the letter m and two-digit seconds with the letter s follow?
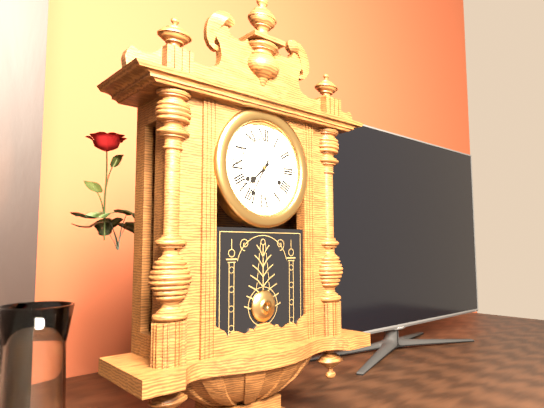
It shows 7h35
